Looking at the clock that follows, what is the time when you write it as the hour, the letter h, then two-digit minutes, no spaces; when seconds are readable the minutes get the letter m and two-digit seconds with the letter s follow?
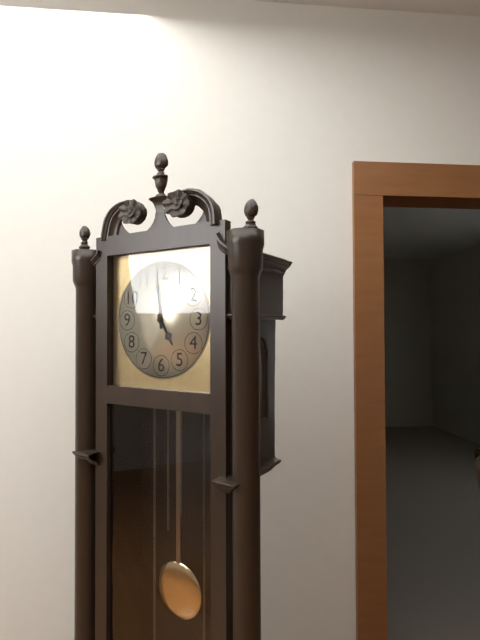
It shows 4h59
